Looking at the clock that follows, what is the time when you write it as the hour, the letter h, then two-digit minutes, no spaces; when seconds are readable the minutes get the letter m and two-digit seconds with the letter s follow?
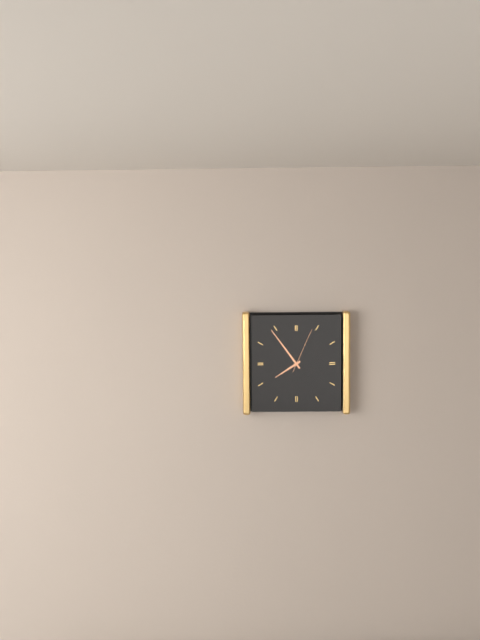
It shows 7h54
